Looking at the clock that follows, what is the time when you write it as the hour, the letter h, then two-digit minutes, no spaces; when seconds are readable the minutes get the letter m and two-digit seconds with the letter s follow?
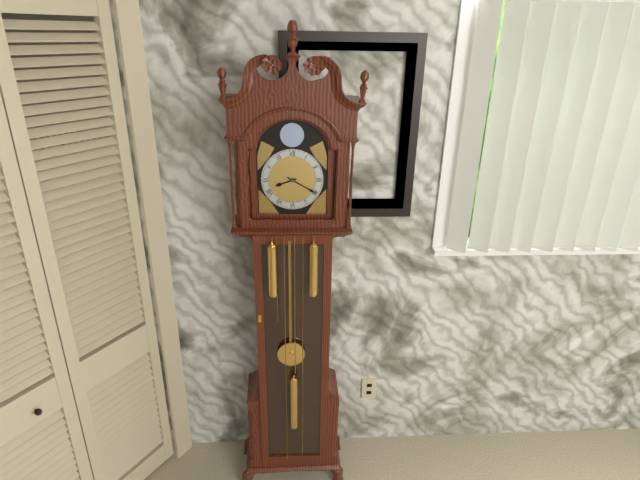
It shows 8h20
